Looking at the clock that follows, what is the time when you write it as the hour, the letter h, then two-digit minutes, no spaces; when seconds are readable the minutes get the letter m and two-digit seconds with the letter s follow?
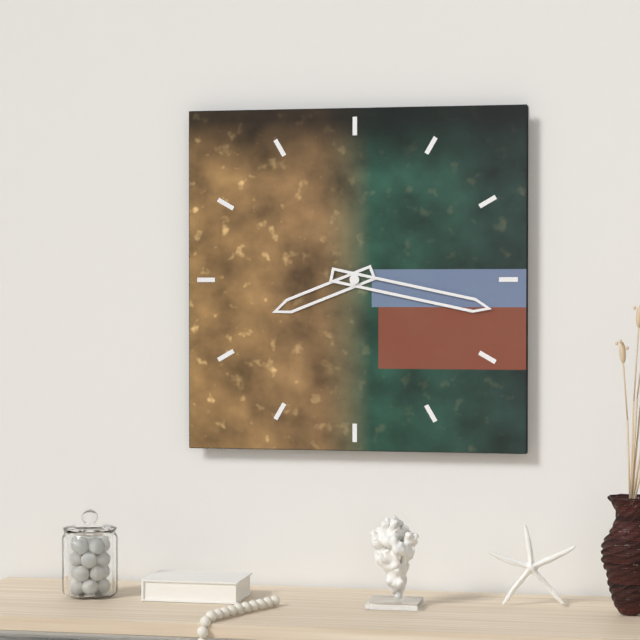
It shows 8h17
